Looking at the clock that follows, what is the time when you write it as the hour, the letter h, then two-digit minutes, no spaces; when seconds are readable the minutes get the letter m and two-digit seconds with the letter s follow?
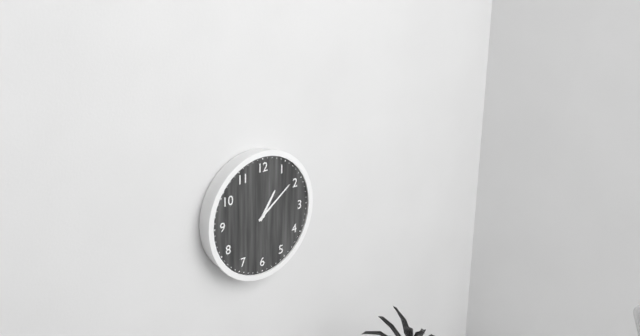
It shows 1h09
